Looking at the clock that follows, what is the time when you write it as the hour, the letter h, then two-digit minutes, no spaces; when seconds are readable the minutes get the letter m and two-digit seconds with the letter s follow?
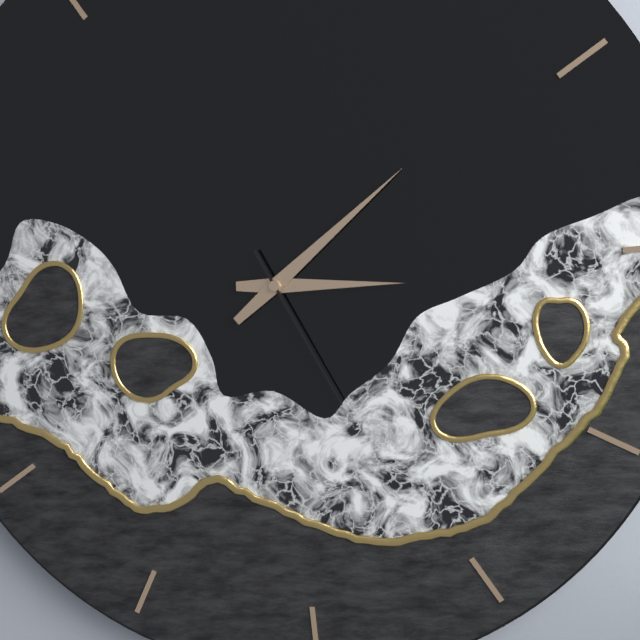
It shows 3h09m26s
